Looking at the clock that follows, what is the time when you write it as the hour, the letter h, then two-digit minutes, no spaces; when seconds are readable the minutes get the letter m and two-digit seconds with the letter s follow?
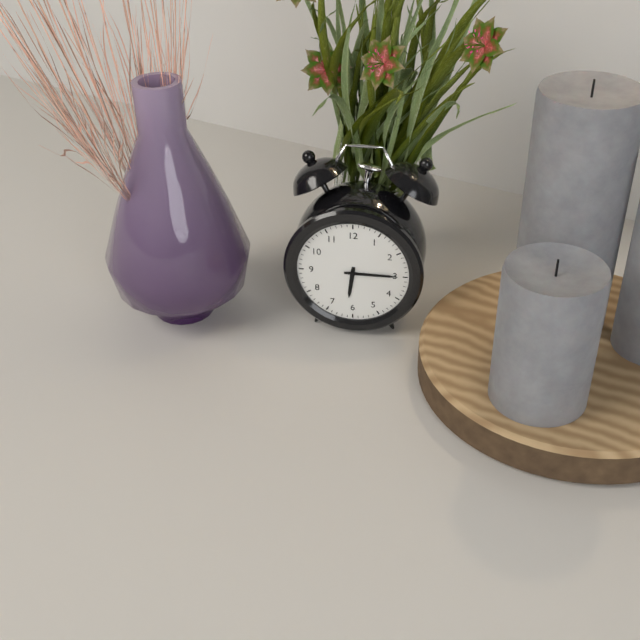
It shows 6h15
